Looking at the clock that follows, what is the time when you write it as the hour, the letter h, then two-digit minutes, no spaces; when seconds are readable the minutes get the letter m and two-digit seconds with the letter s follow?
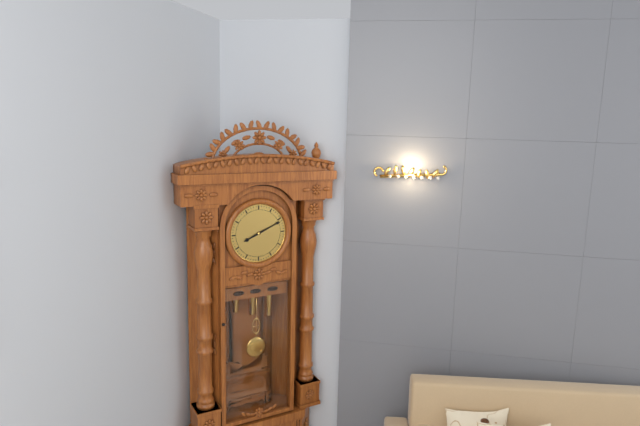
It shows 8h11
